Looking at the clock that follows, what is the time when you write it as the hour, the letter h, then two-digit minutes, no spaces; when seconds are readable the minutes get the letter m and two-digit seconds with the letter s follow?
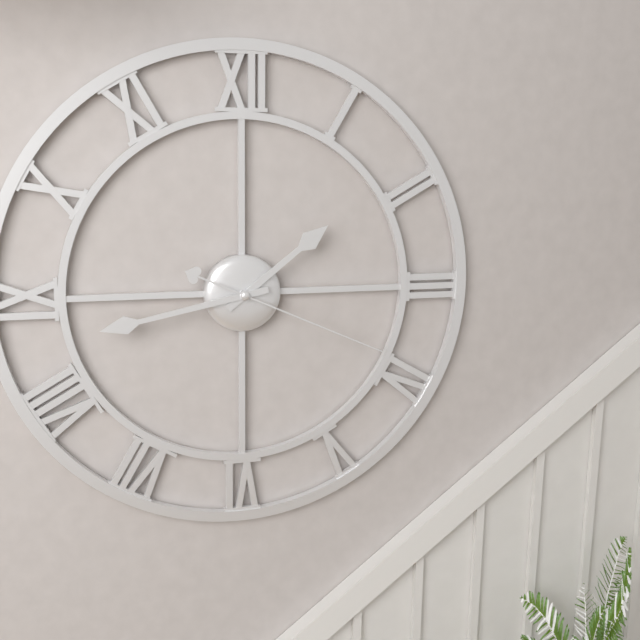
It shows 1h43m19s
